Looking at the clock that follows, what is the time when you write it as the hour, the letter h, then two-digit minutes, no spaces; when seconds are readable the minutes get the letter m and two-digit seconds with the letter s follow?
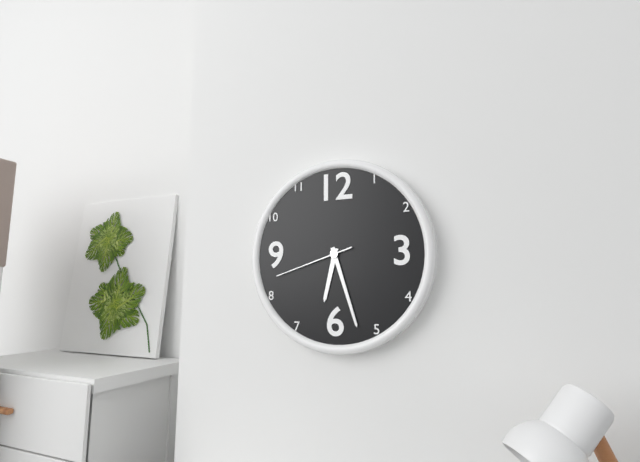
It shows 6h27m42s
